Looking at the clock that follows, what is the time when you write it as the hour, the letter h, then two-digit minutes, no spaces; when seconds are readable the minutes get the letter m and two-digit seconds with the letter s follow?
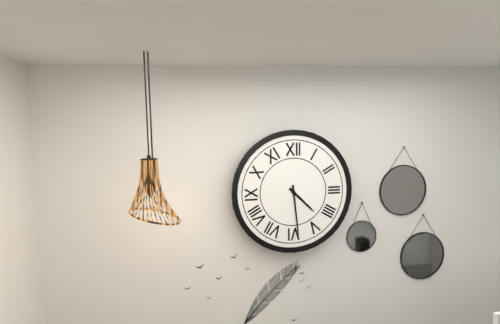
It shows 4h29
